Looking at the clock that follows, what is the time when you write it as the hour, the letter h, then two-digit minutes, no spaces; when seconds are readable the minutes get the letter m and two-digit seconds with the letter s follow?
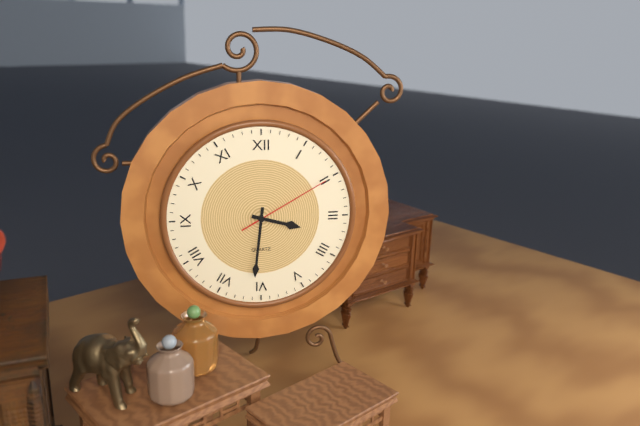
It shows 3h31m10s
